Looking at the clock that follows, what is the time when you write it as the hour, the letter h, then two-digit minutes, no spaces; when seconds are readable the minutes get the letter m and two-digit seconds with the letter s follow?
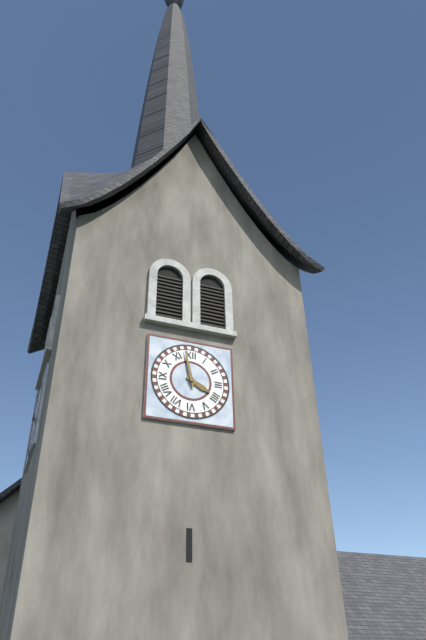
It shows 3h58
